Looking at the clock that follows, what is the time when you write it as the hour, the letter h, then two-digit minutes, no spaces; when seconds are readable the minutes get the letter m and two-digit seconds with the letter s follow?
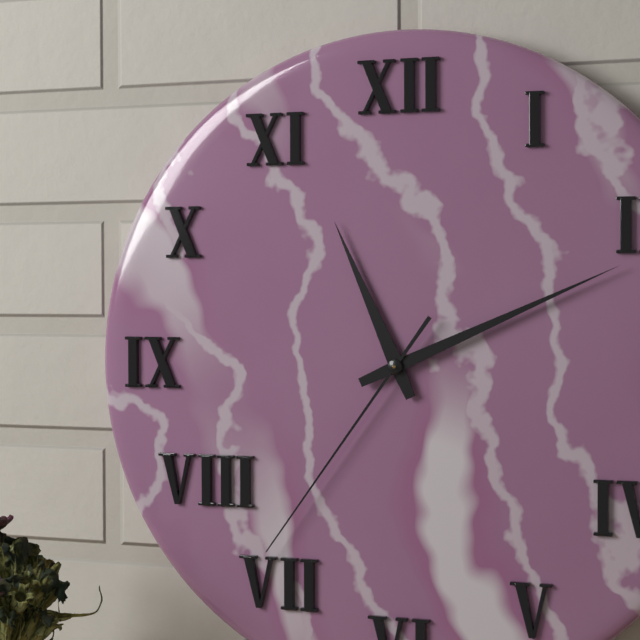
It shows 11h11m36s
